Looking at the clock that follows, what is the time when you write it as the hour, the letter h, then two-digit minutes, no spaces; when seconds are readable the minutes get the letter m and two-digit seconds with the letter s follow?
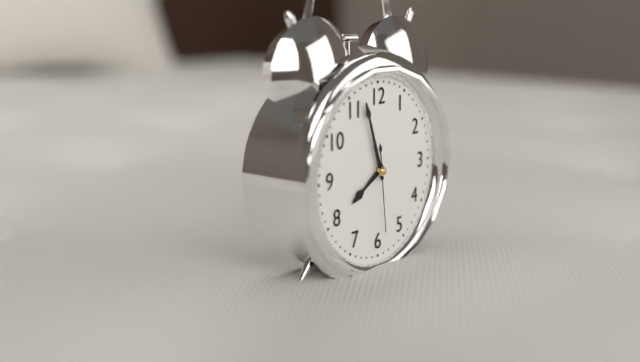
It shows 7h57m29s
